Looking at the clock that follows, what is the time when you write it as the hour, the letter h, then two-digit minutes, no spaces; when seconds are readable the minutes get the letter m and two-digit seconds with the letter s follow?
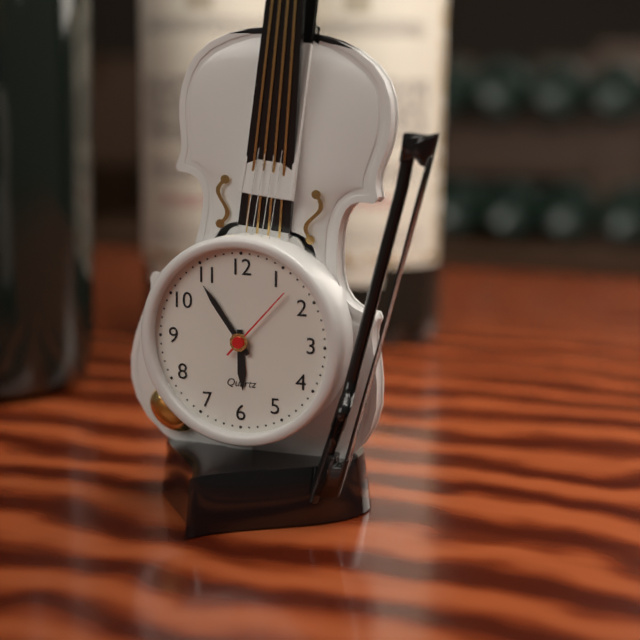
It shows 5h54m07s
